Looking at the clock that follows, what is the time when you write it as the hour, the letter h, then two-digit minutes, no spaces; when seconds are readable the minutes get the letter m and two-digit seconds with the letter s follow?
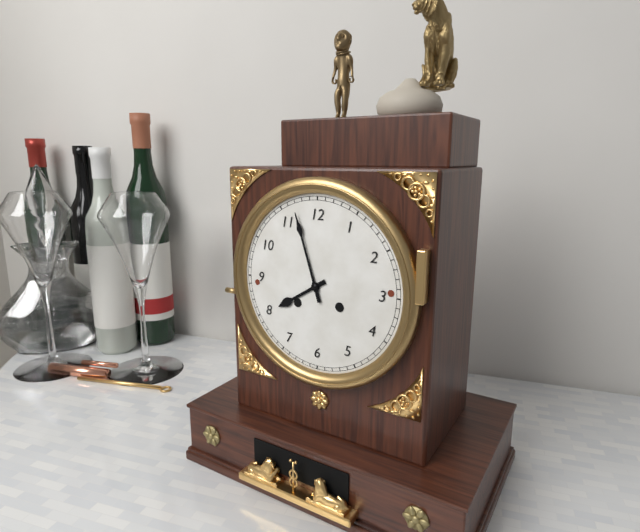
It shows 7h57
